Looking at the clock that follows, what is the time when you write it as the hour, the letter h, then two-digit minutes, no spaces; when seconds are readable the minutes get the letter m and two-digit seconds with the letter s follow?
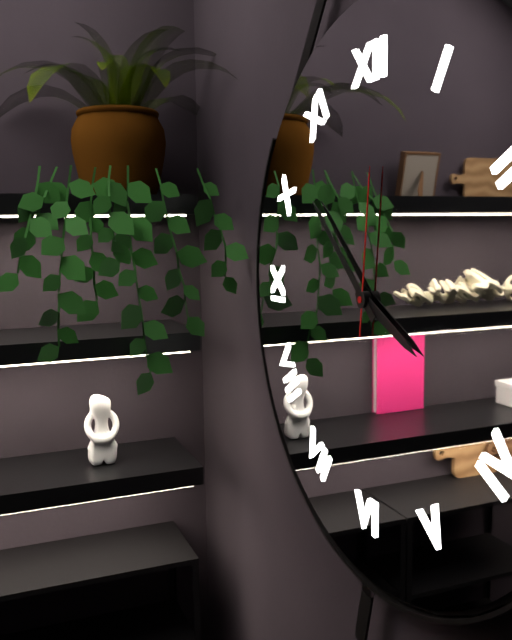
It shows 3h52m01s
